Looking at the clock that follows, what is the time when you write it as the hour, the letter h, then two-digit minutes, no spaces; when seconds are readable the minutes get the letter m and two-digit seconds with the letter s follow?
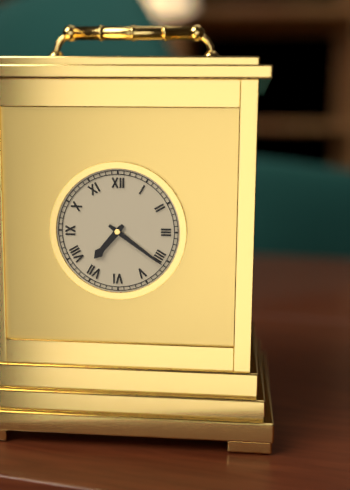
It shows 7h21
